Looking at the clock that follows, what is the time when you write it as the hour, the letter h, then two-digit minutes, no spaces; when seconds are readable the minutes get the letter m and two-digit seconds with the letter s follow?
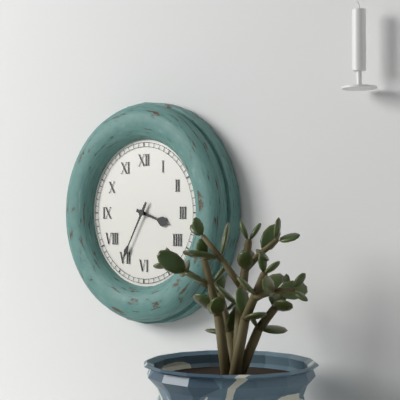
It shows 3h35
